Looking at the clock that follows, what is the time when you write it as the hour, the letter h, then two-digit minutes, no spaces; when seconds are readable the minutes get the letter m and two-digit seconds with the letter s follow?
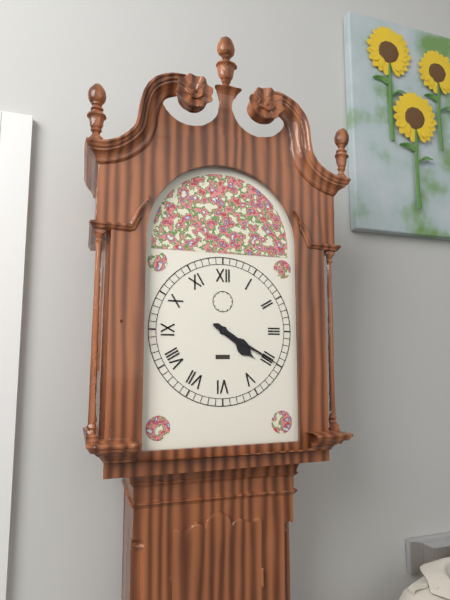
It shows 4h20
